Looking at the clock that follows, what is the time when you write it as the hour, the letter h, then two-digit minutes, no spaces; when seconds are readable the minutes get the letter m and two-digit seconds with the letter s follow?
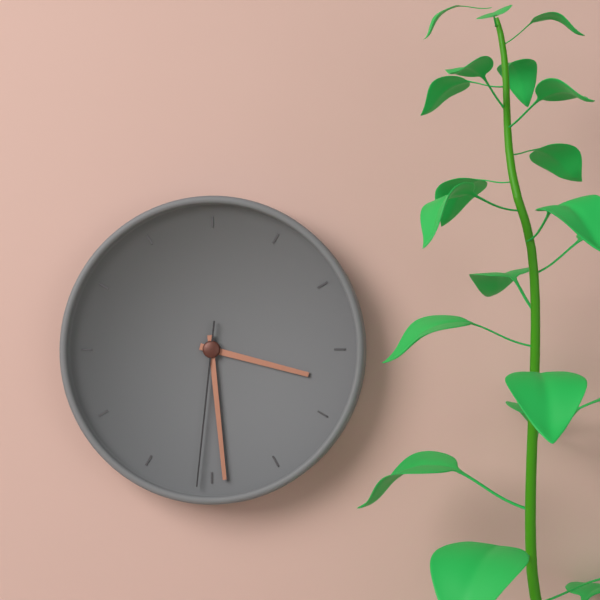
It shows 3h29m31s
